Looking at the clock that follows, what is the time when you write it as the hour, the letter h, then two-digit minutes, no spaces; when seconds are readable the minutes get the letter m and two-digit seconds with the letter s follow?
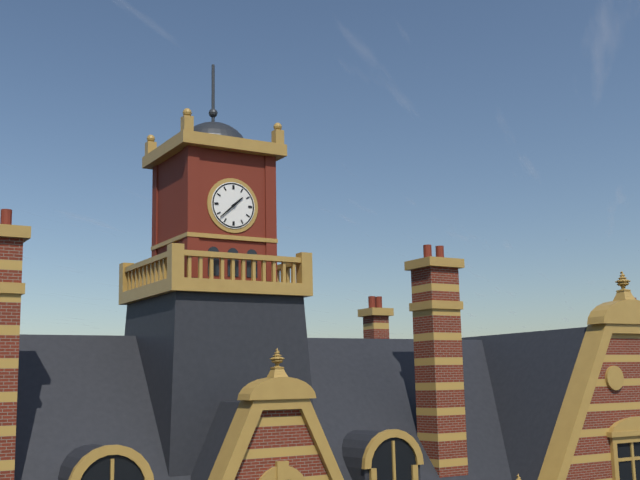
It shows 1h38
